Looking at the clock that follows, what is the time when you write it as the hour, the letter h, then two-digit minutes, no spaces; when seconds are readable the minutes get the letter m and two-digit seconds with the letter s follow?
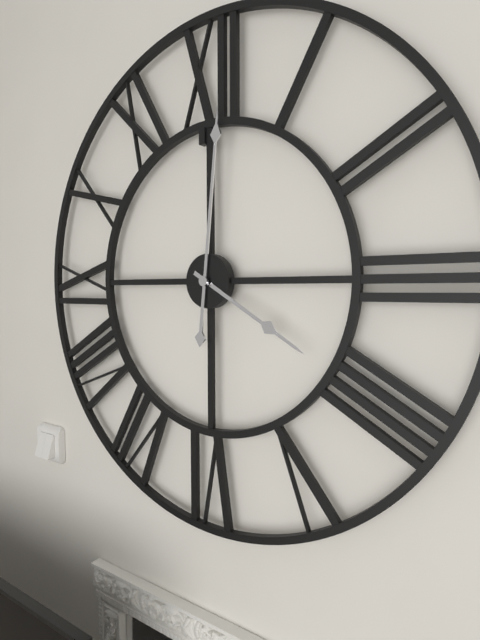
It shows 4h01
